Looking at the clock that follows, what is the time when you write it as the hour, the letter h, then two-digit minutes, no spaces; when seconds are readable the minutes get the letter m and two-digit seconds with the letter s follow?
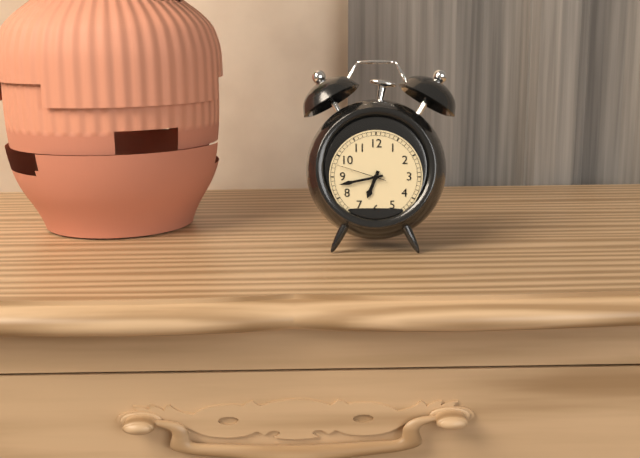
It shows 6h43m48s
